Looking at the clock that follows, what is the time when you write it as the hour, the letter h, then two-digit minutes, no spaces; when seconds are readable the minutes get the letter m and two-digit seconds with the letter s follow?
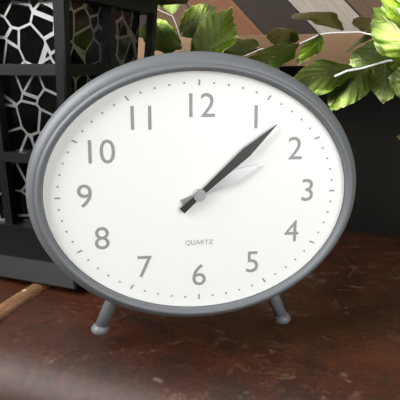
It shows 2h08
